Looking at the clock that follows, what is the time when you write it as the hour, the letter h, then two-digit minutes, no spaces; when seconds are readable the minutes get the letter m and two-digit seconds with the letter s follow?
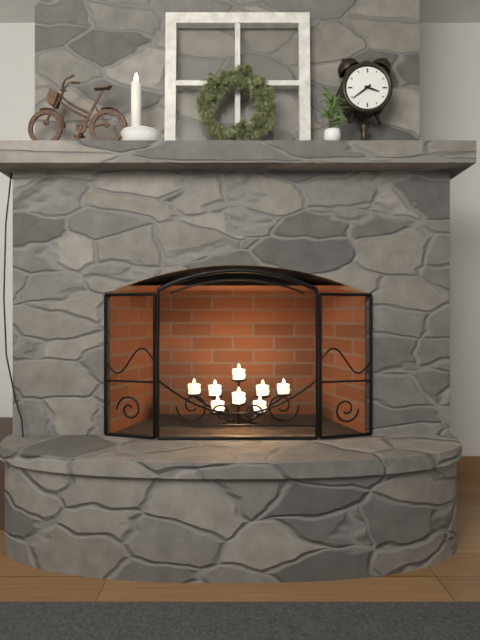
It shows 3h39
